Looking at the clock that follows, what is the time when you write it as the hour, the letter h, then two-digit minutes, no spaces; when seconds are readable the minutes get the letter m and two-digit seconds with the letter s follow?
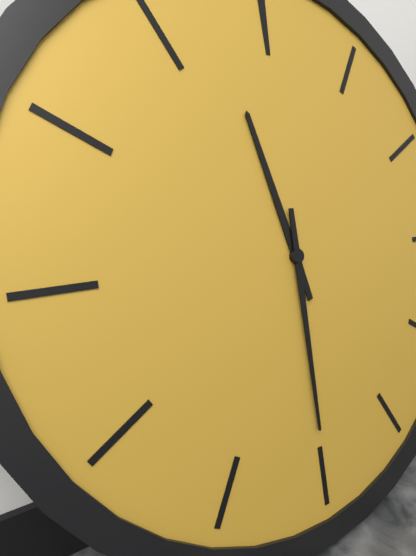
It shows 11h30
